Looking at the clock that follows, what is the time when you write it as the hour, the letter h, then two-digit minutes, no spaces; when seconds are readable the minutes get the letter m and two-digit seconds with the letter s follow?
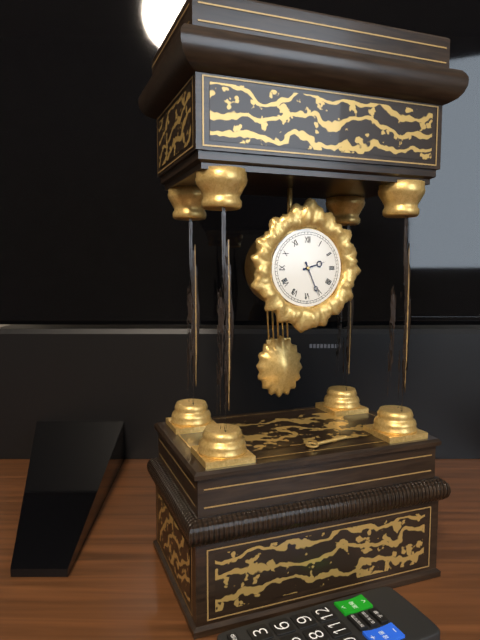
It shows 2h26
